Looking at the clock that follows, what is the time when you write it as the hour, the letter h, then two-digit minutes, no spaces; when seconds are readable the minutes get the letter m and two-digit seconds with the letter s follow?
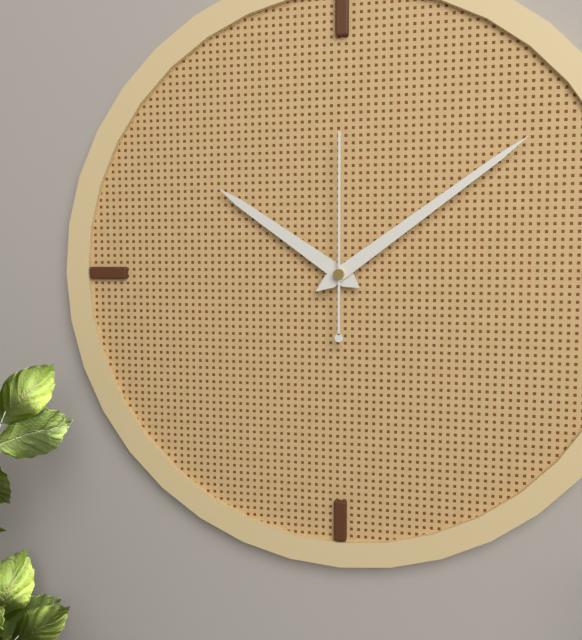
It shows 10h09m00s
